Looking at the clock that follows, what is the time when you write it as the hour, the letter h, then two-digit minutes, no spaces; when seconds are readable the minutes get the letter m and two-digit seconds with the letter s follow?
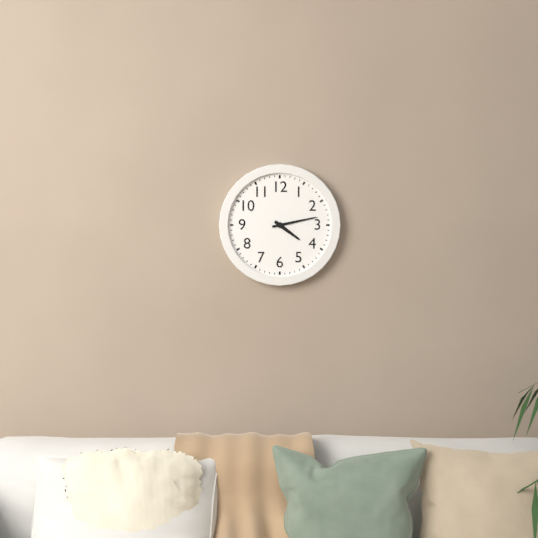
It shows 4h13
